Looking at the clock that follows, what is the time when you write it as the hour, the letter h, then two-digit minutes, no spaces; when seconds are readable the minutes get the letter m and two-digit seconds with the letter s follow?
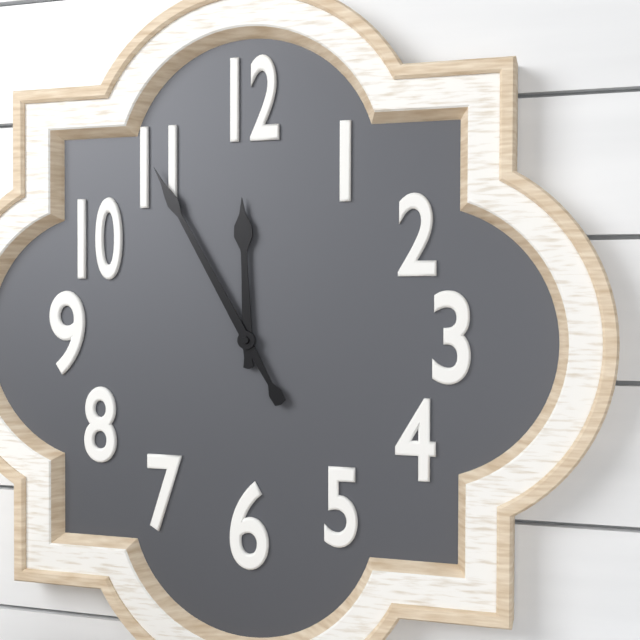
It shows 11h55
